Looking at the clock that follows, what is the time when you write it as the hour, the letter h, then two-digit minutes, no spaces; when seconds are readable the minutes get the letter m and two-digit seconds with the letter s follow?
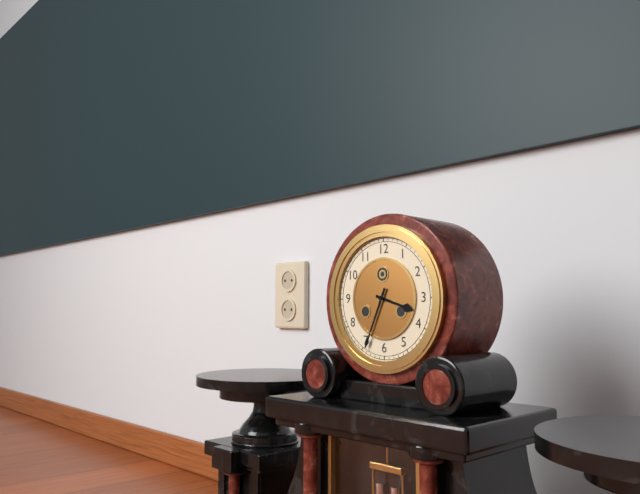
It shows 3h34
